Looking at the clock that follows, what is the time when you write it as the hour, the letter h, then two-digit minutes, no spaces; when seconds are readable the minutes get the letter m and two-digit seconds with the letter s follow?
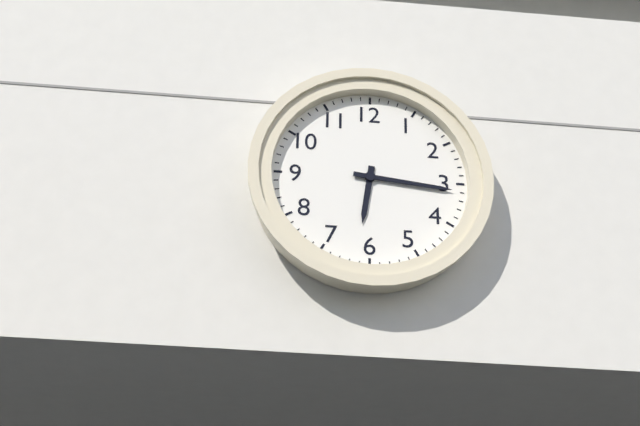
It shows 6h16
